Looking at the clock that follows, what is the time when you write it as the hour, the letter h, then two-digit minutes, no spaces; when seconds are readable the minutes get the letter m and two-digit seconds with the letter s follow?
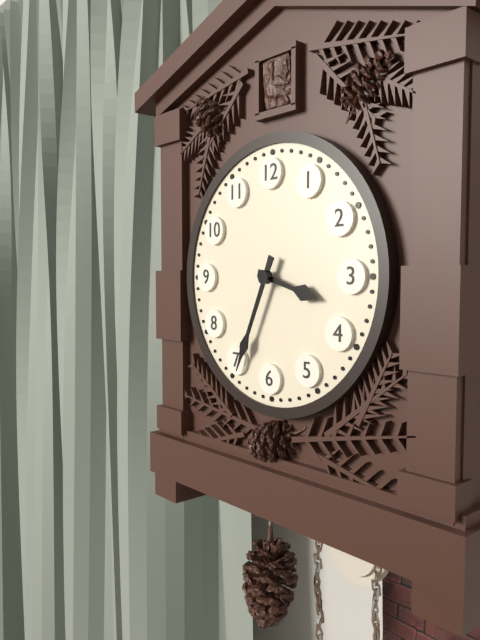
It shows 3h34
